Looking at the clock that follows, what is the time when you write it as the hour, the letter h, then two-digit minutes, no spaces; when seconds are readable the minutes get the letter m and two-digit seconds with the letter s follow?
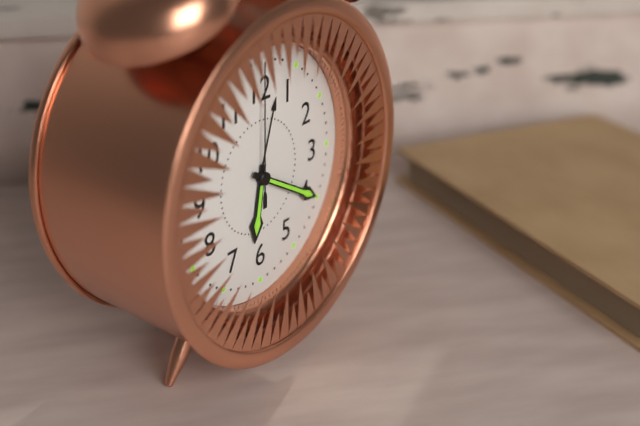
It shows 6h20m00s
